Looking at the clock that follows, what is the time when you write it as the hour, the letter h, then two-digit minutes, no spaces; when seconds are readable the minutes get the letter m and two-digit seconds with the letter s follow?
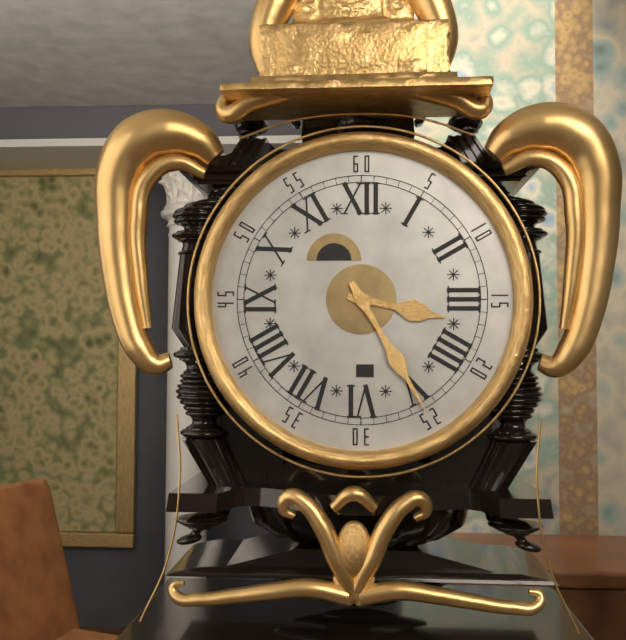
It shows 3h25
